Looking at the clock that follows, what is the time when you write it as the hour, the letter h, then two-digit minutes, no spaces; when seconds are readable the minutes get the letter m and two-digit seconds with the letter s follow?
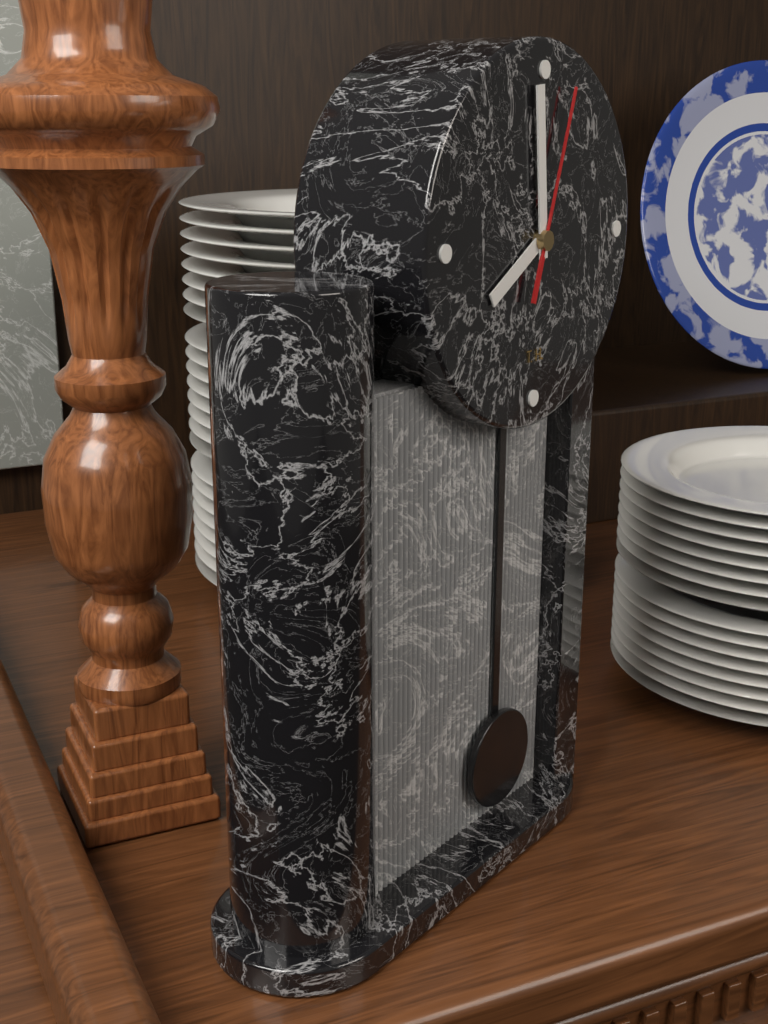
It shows 7h59m03s
